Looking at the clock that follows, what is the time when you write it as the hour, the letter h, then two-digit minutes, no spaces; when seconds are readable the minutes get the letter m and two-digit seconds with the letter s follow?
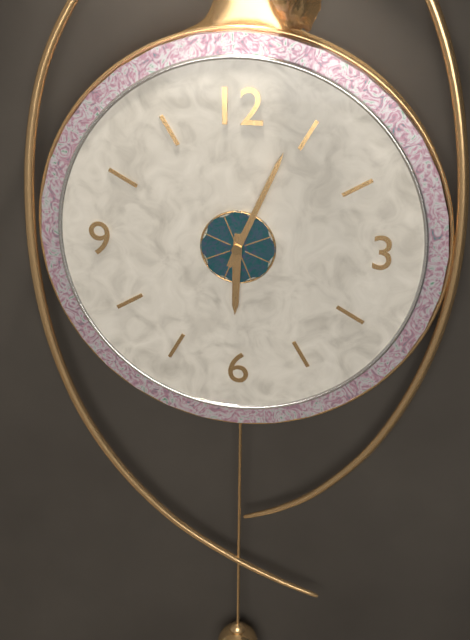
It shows 6h04
